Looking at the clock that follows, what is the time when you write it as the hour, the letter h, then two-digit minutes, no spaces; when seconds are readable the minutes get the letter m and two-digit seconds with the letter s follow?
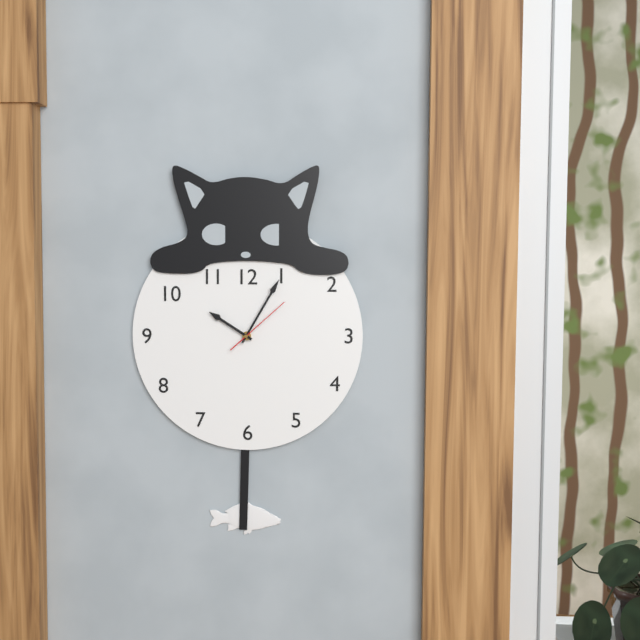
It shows 10h05m08s
